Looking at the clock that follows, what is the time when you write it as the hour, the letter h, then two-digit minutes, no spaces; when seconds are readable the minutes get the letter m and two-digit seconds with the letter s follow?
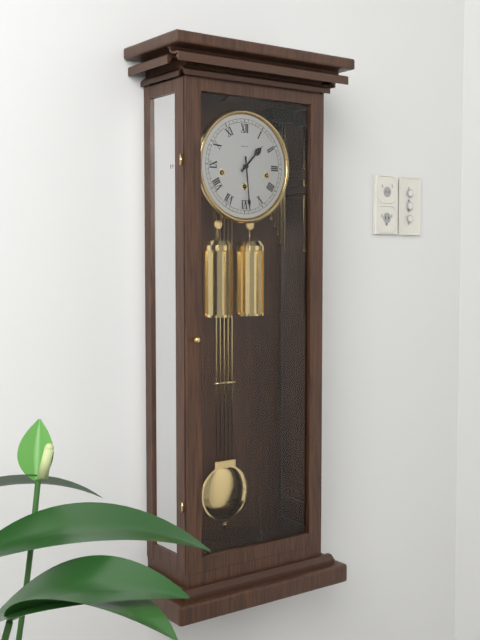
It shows 1h29
